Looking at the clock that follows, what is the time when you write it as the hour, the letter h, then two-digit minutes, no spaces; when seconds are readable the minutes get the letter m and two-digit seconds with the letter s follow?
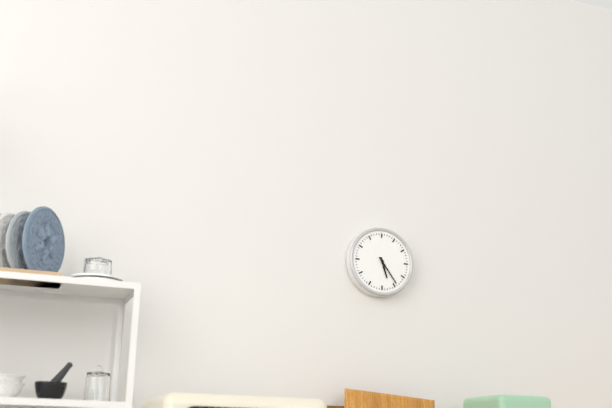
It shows 5h24
